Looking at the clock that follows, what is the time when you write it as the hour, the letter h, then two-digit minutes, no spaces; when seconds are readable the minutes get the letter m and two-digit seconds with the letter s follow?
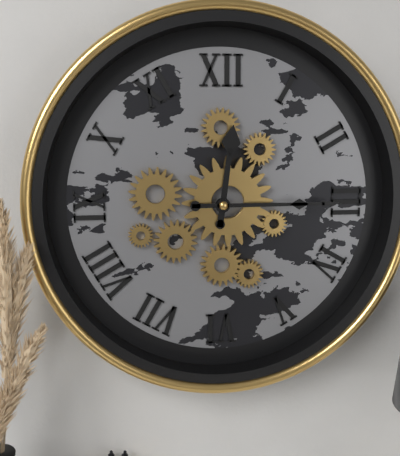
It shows 12h15
